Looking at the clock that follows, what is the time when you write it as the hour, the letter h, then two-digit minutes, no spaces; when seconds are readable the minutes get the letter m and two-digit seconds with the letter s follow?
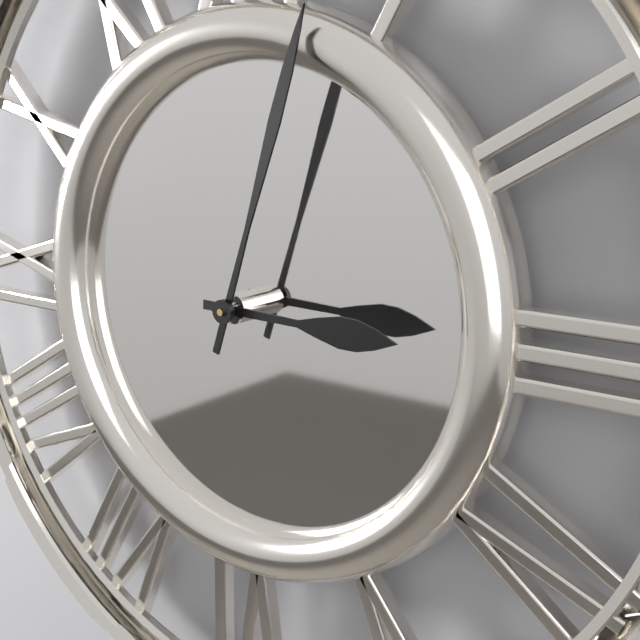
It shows 3h03
